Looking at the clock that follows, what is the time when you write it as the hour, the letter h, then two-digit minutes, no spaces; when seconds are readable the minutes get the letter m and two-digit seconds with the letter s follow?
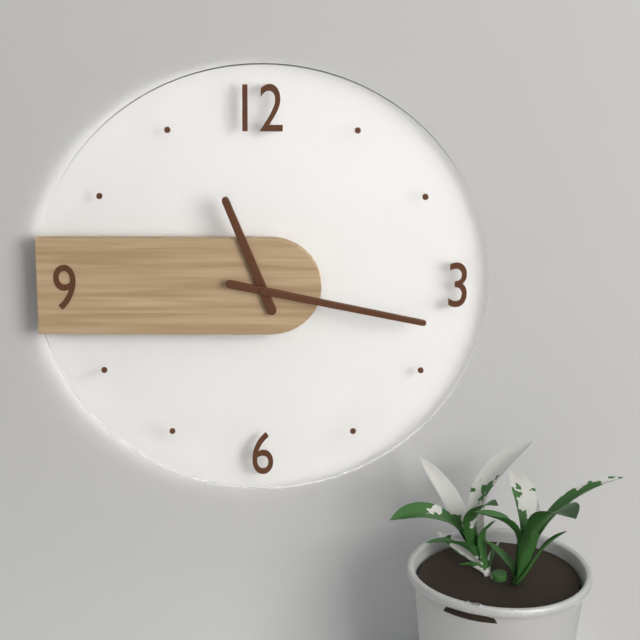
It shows 11h17
